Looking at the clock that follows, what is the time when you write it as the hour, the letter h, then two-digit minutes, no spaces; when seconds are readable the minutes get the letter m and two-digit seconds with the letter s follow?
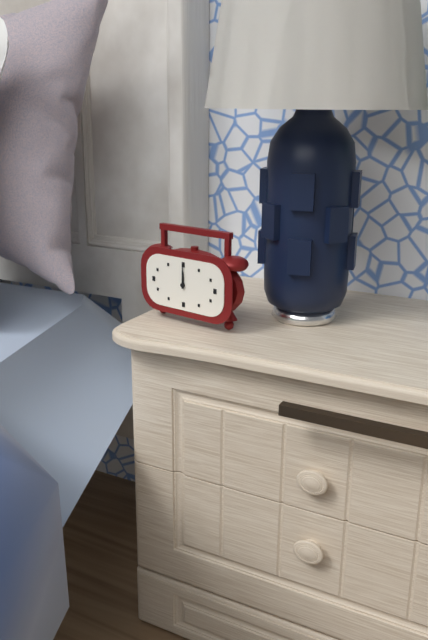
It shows 12h00
